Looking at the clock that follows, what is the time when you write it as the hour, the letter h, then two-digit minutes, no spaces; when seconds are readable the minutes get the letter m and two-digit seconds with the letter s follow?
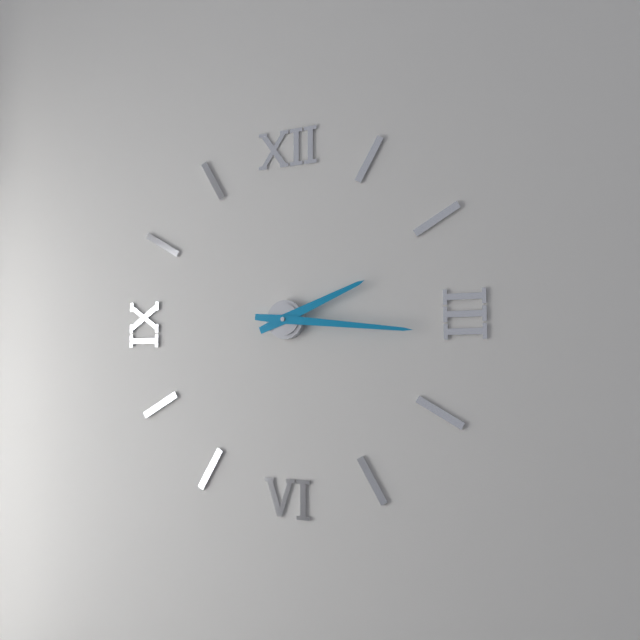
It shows 2h16
